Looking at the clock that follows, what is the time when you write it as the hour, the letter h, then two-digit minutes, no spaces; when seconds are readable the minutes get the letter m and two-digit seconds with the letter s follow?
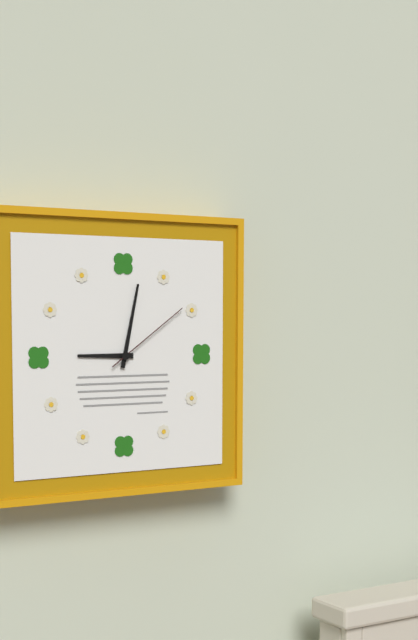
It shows 9h02m09s
